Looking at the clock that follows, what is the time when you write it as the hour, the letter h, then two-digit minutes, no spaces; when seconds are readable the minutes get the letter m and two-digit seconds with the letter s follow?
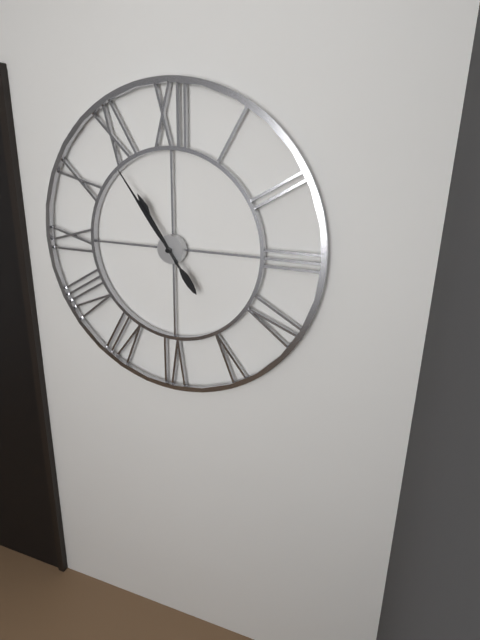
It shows 10h54
